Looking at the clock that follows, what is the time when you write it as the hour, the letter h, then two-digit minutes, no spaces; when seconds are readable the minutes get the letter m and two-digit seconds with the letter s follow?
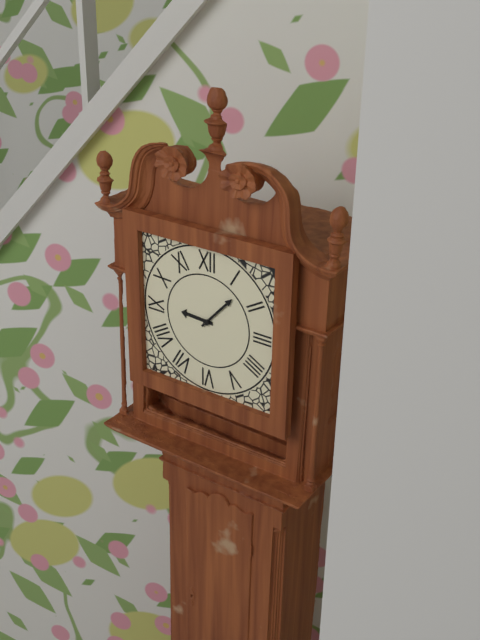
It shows 9h07
